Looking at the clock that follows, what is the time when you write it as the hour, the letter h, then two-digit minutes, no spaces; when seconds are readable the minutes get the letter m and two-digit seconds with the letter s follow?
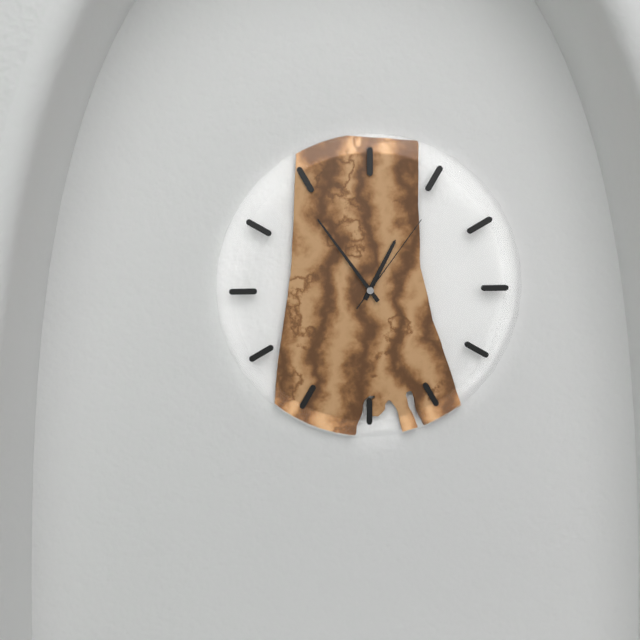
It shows 12h54m06s
